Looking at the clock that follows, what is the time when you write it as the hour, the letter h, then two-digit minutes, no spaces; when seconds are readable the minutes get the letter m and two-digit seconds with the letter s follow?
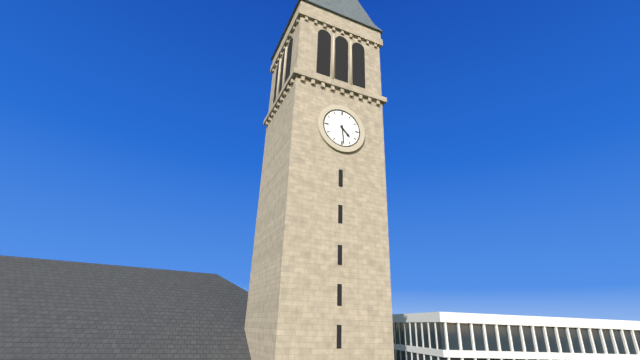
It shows 4h29
